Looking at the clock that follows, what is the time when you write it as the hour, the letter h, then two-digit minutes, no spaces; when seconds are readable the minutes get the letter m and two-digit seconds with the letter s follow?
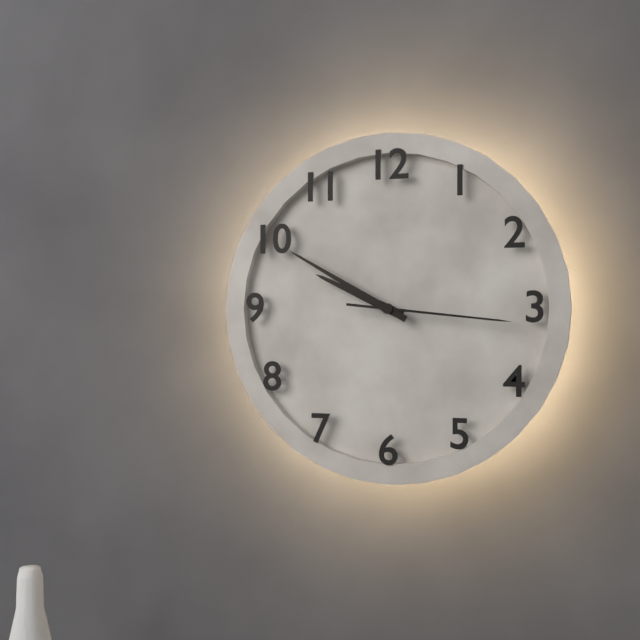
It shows 9h50m16s
